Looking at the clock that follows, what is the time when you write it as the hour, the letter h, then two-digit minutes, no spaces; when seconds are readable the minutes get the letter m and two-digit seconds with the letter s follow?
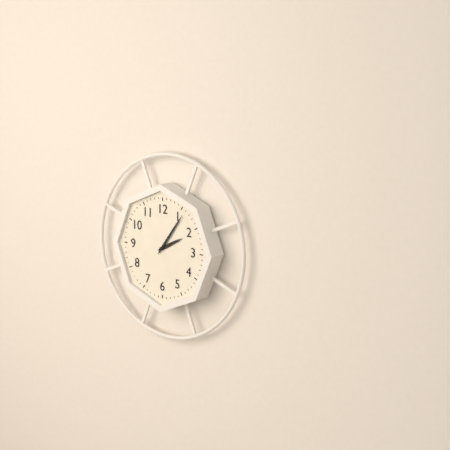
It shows 2h06
